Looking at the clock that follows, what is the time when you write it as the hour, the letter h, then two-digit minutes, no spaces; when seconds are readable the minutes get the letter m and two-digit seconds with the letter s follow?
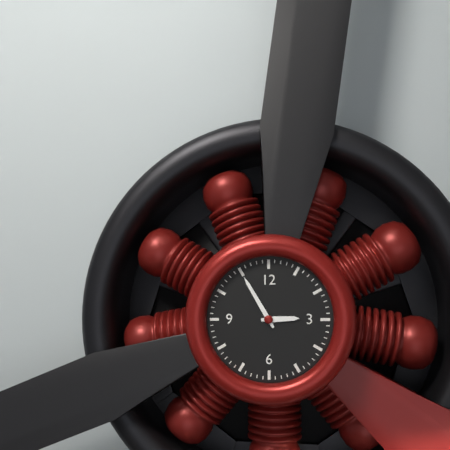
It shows 2h55
